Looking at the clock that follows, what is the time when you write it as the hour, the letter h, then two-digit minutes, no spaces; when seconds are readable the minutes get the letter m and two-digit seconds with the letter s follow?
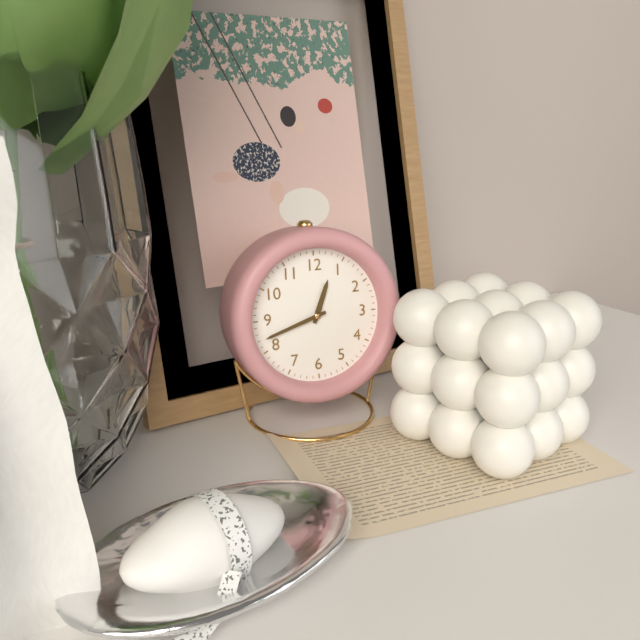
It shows 12h42
